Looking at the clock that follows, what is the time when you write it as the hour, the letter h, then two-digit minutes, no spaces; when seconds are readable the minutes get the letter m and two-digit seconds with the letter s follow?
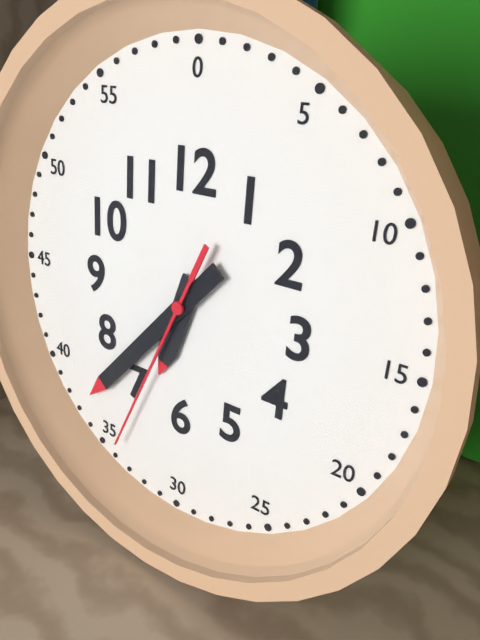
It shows 6h37m34s
